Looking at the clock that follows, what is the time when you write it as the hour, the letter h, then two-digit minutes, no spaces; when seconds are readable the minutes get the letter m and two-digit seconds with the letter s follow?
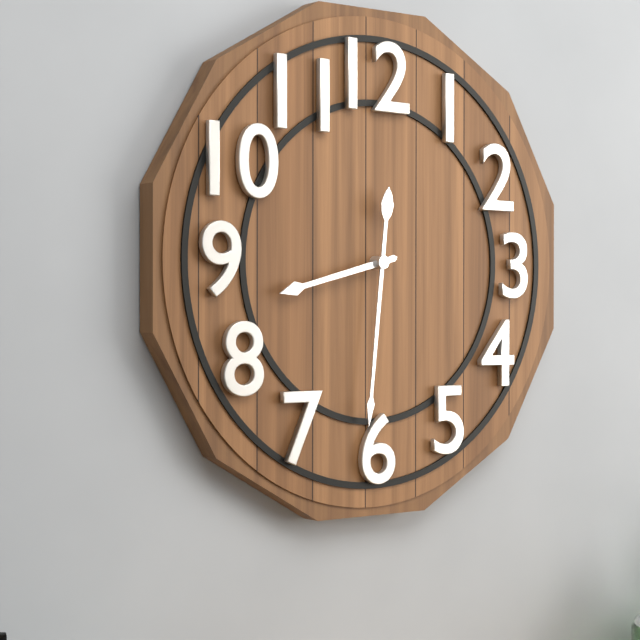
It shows 8h31
